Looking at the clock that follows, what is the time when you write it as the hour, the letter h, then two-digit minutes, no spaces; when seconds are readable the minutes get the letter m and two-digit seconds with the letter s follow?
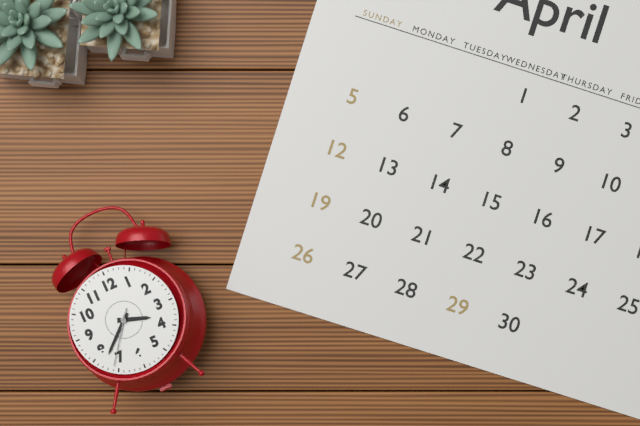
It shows 3h38m36s
